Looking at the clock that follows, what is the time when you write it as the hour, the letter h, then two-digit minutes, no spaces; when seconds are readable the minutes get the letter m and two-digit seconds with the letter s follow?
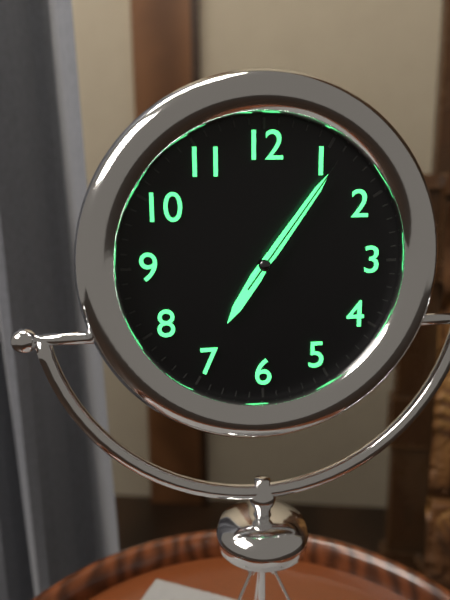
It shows 7h06m06s
